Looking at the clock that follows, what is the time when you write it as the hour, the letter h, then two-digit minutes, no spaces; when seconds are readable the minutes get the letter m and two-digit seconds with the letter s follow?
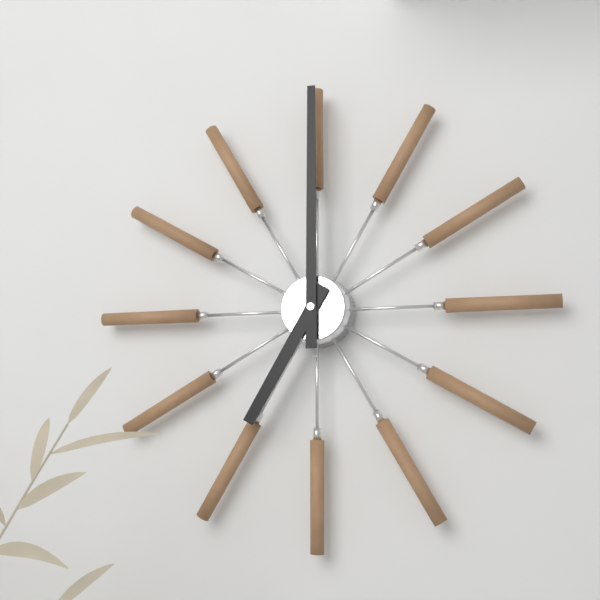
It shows 7h00
